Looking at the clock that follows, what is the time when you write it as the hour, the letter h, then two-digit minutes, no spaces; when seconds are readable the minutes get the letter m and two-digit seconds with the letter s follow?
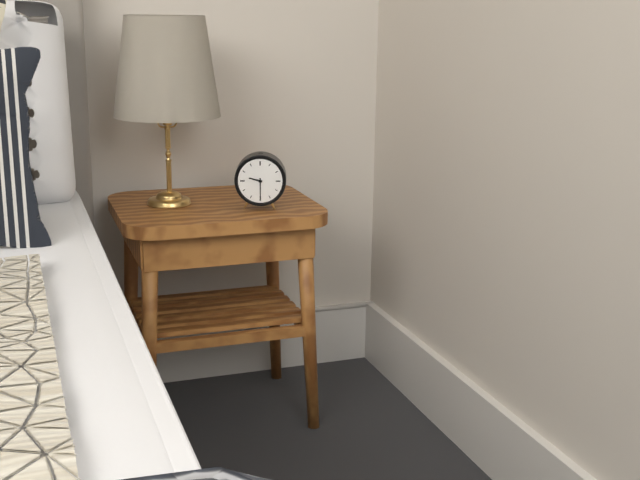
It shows 9h30
